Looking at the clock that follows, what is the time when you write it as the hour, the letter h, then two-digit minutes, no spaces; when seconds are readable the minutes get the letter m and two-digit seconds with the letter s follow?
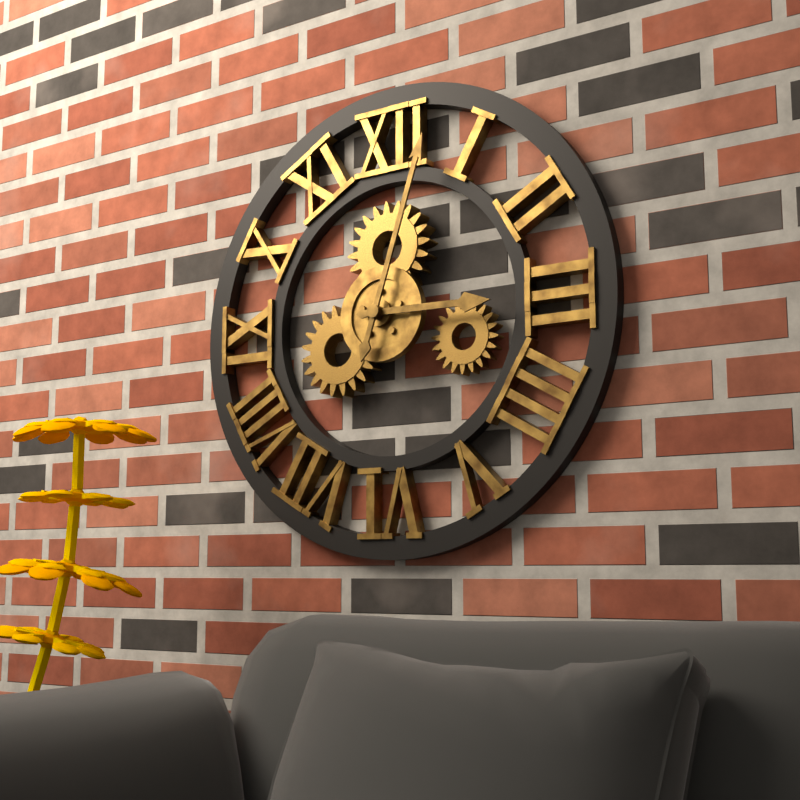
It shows 3h03
